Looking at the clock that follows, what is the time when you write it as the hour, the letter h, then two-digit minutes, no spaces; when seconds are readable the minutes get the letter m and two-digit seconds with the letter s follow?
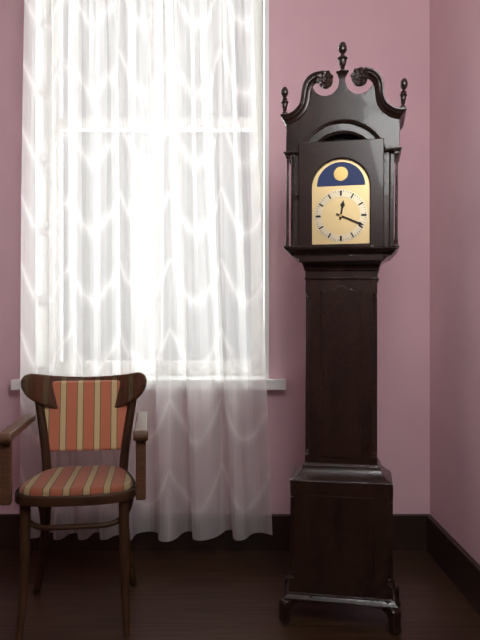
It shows 12h19
